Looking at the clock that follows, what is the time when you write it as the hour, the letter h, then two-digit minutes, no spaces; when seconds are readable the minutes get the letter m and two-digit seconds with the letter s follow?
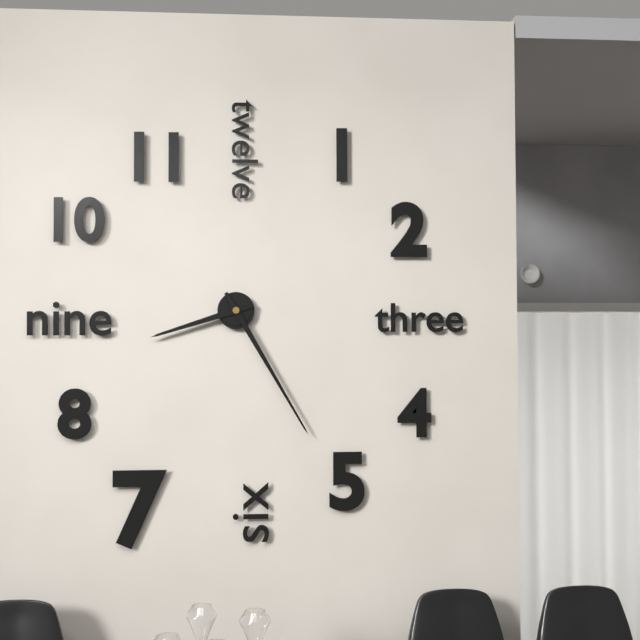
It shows 8h25
